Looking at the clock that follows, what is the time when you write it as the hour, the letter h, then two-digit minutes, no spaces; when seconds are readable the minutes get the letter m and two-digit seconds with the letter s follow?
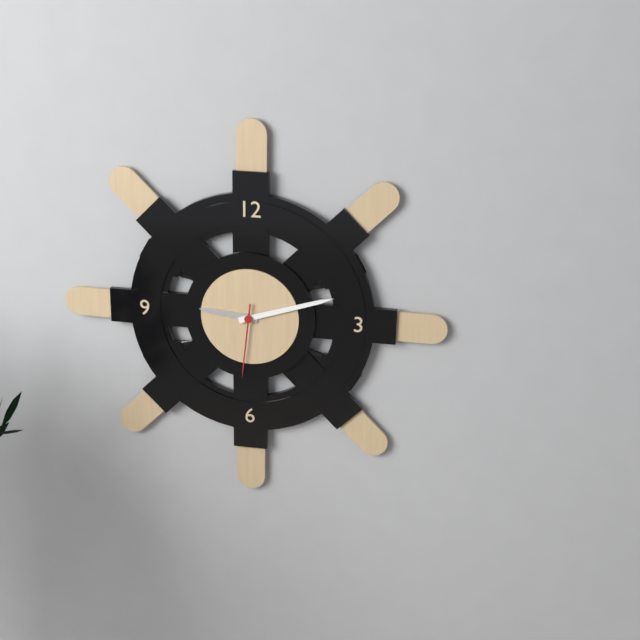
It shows 9h12m31s
